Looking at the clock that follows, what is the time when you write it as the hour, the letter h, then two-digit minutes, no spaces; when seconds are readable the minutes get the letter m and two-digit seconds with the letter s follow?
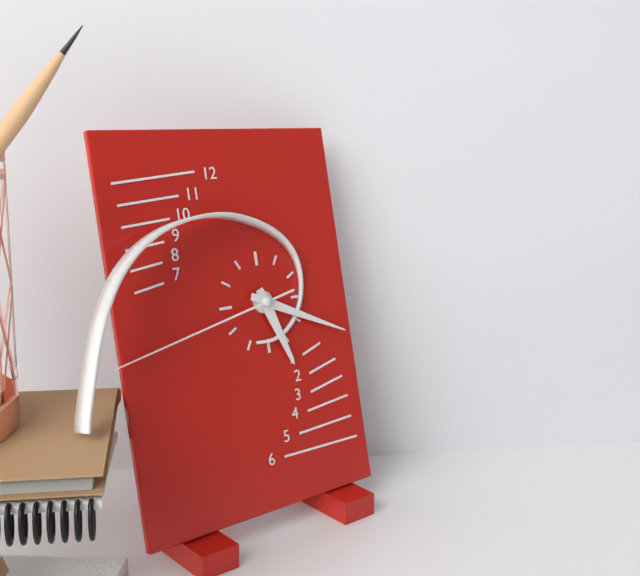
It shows 5h19m43s
